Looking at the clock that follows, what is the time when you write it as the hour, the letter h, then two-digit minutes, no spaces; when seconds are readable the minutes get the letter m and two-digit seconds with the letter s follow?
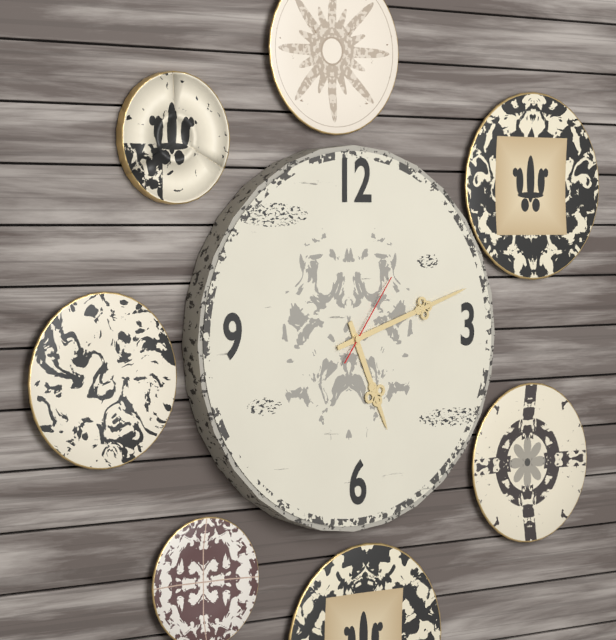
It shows 5h12m06s
